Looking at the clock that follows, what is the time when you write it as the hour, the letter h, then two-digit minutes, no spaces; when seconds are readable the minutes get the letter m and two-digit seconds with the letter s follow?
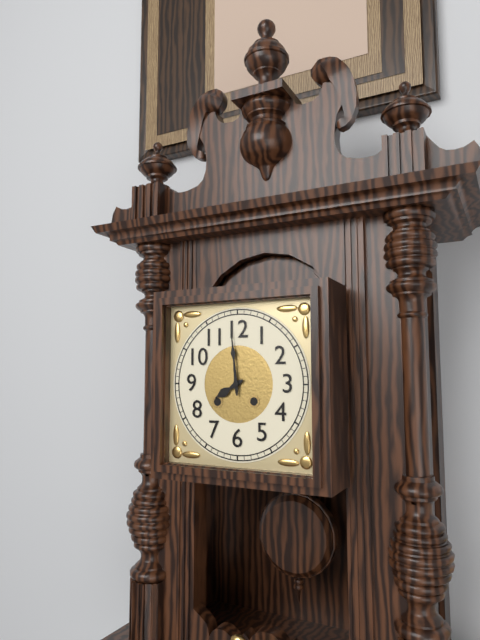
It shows 7h59
